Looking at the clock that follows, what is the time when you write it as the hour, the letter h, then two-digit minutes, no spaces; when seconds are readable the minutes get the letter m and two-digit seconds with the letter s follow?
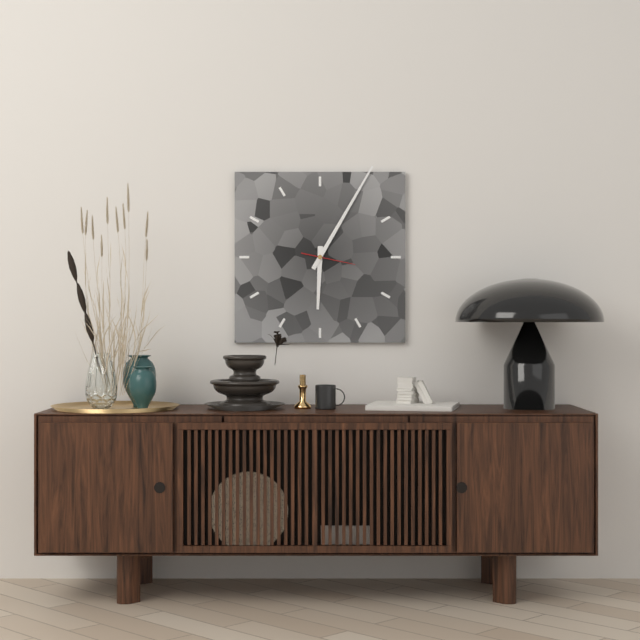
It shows 6h05
